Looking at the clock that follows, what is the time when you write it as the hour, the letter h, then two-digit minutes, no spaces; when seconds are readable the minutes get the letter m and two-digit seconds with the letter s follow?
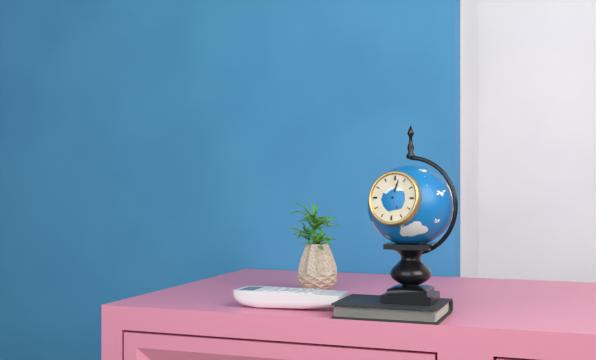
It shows 5h02
